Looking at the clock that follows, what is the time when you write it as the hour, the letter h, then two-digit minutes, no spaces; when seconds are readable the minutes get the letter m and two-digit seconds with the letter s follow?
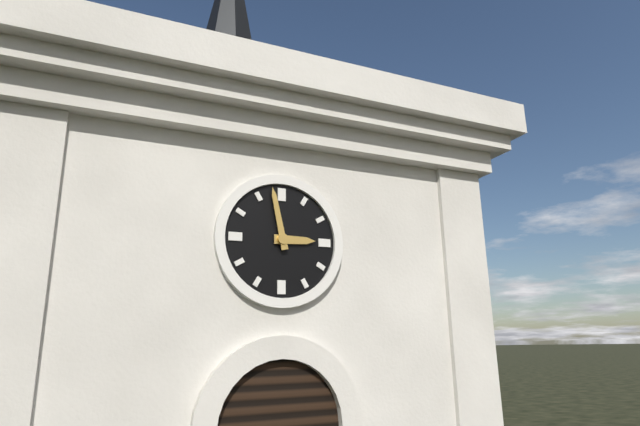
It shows 2h58
